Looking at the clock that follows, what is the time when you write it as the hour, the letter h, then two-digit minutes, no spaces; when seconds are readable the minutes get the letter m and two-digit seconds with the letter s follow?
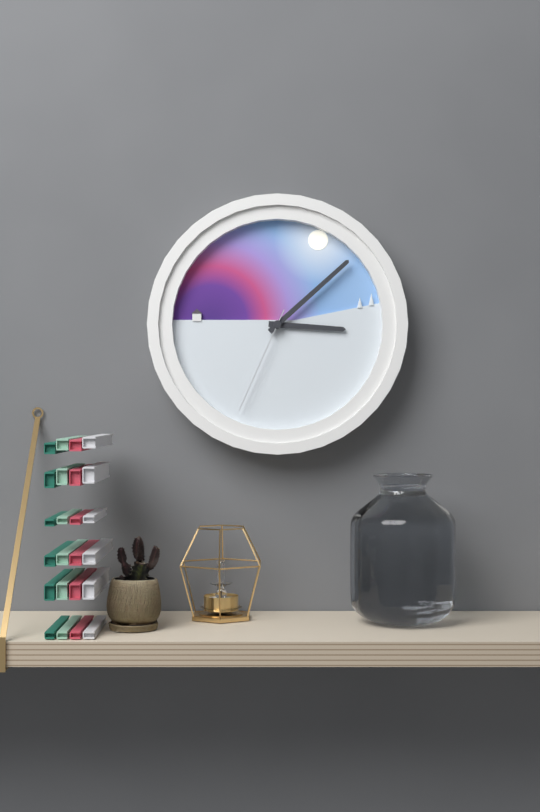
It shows 3h08m34s
